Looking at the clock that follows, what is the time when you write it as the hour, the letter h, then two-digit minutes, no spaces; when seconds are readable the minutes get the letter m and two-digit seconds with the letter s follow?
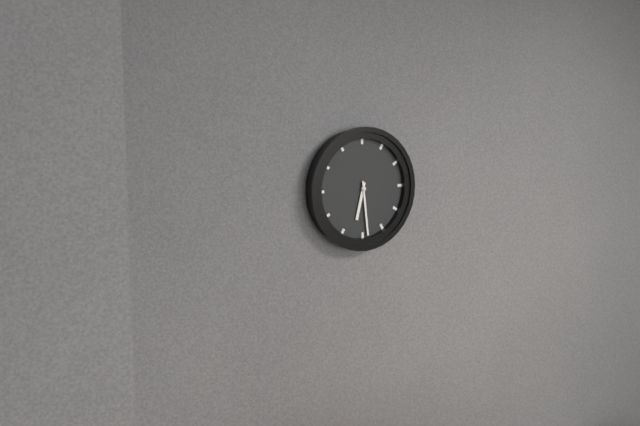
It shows 6h29
